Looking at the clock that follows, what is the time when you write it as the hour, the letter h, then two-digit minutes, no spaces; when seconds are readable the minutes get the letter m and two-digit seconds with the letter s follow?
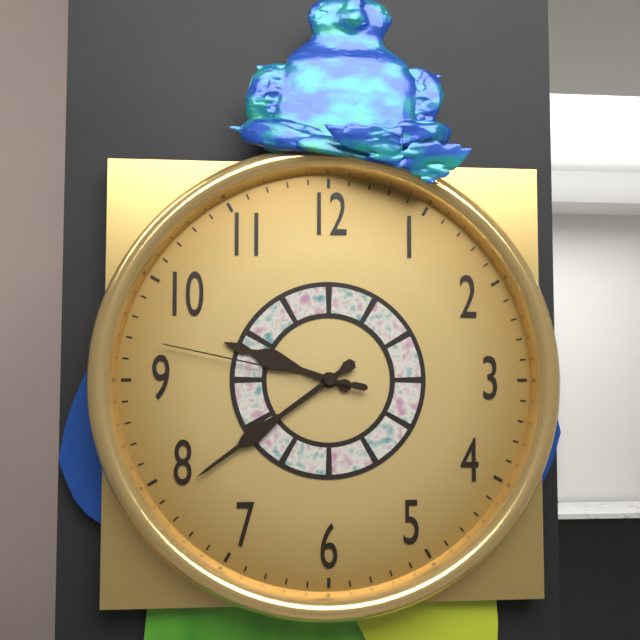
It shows 9h39m47s
